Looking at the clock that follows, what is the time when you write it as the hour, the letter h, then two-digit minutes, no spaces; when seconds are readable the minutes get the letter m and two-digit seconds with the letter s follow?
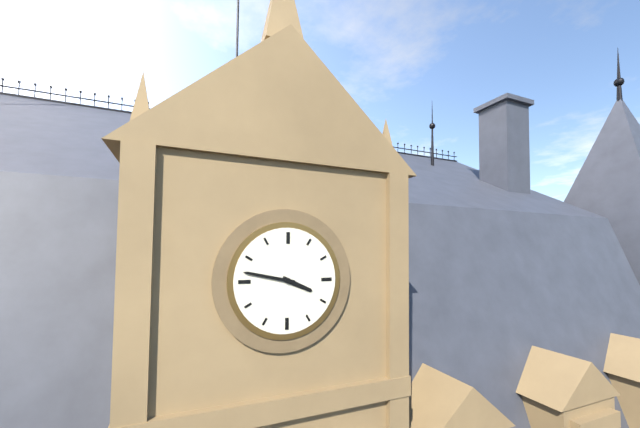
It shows 3h47
